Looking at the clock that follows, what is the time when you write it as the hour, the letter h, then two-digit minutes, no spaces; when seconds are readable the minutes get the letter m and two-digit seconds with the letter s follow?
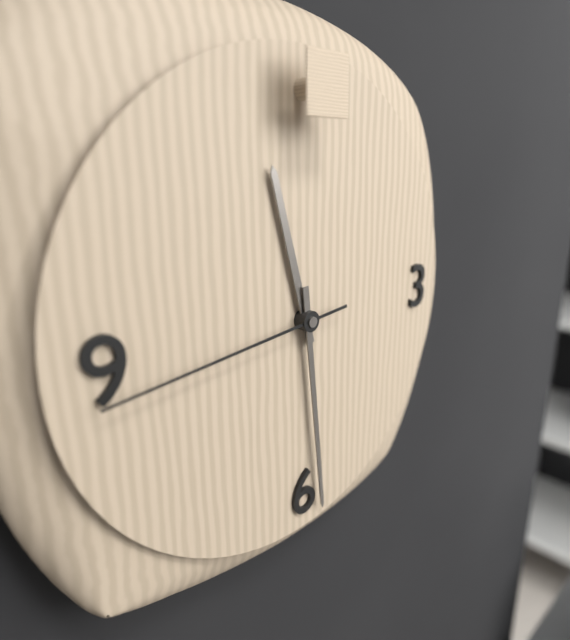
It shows 11h29m44s
